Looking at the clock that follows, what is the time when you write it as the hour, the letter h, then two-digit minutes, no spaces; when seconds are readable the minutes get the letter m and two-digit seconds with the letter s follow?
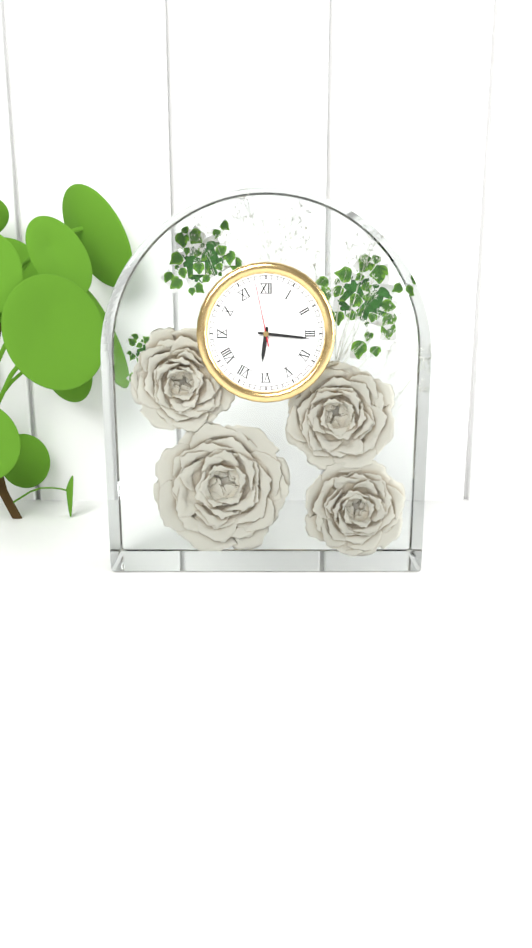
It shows 6h16m58s
